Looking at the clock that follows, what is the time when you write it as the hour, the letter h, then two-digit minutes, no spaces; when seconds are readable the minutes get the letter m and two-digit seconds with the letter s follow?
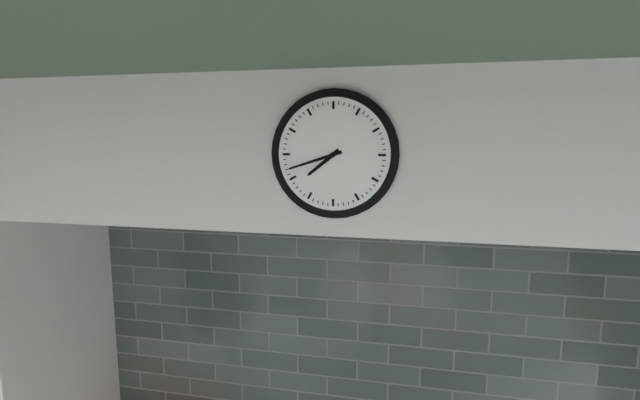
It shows 7h42
